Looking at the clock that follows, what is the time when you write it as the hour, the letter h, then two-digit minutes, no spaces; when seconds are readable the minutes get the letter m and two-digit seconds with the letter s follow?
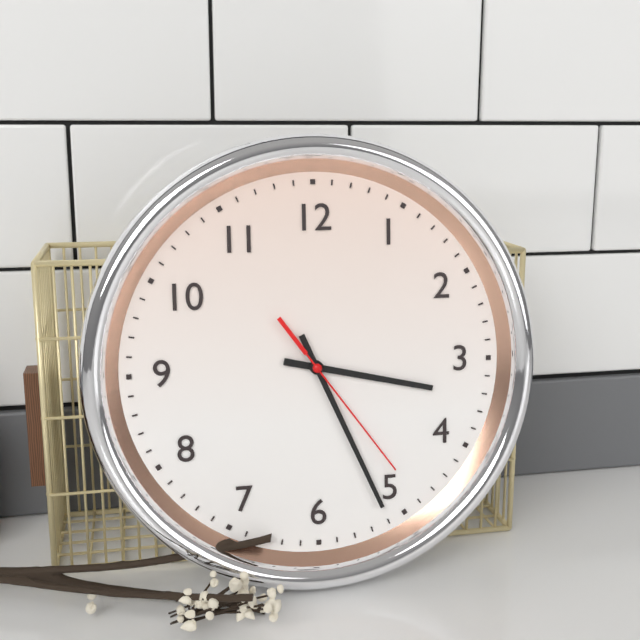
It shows 3h26m24s
